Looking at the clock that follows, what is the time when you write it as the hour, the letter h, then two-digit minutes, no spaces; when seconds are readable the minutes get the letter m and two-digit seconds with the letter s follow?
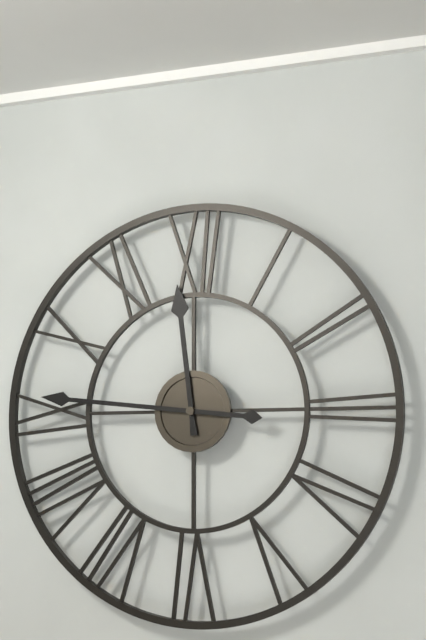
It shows 11h46
